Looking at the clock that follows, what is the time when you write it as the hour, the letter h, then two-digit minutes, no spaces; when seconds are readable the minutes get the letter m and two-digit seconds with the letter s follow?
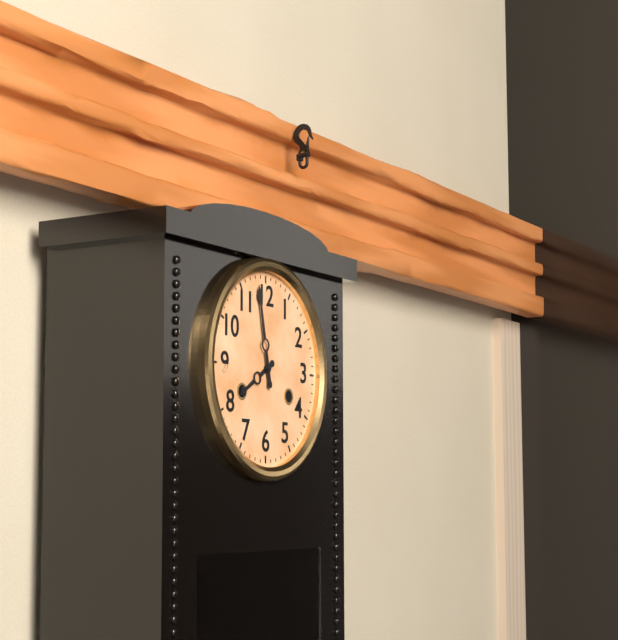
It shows 7h58
